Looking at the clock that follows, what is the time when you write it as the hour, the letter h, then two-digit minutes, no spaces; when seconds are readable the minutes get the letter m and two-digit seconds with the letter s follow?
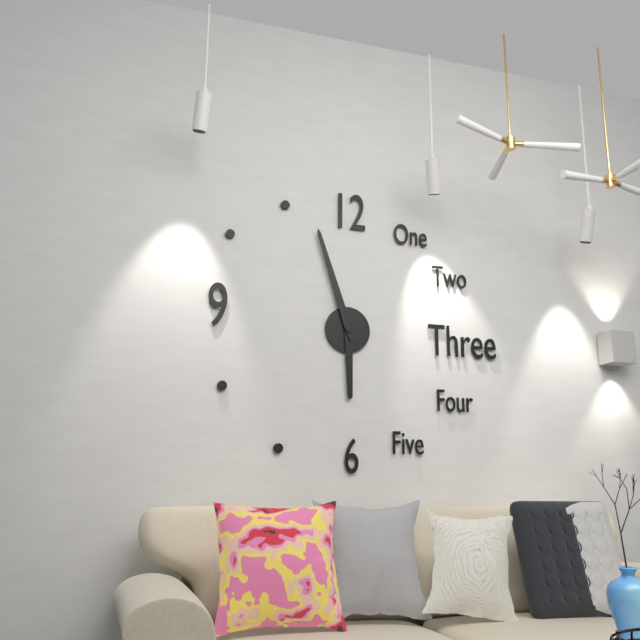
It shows 5h57
